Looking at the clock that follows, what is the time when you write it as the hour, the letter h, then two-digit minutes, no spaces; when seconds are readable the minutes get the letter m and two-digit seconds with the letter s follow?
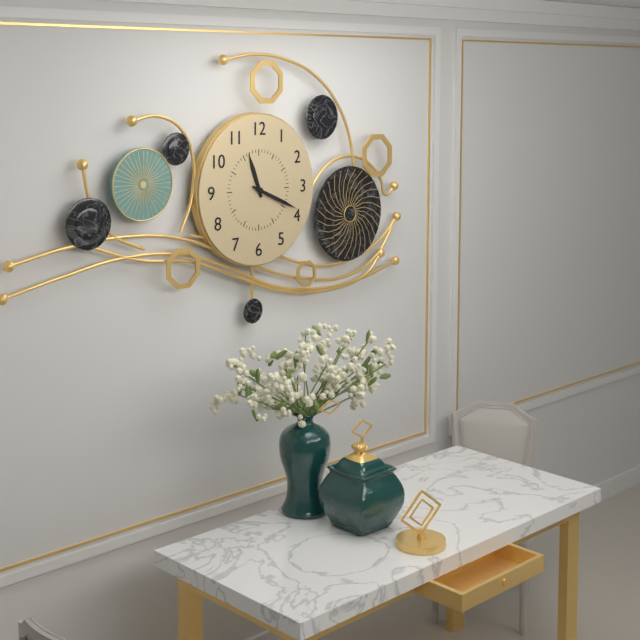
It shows 11h19
